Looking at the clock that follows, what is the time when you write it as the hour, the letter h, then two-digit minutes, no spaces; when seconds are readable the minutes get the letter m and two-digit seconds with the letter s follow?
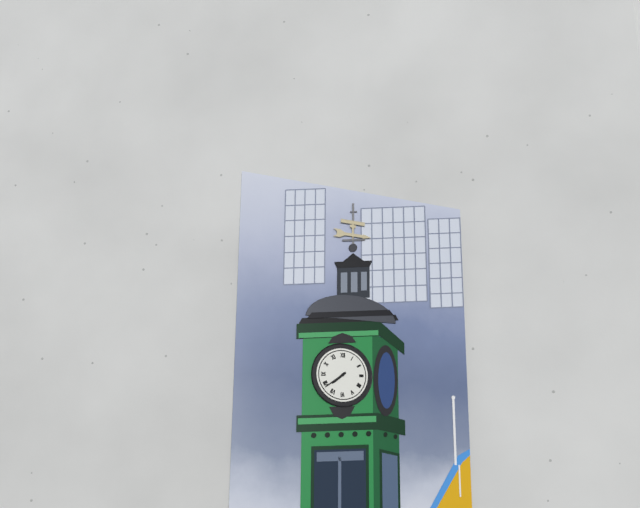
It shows 7h39
